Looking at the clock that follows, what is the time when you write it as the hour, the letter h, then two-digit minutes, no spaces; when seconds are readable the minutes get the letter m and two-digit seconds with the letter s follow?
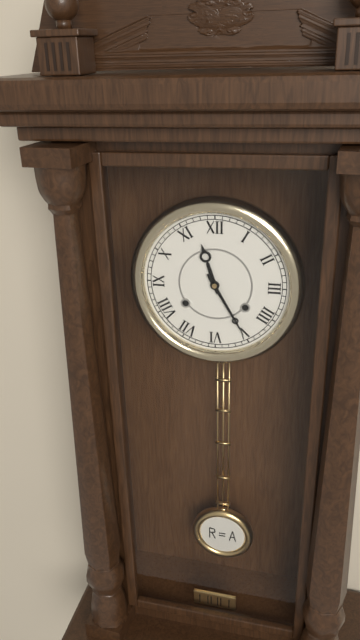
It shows 11h25
